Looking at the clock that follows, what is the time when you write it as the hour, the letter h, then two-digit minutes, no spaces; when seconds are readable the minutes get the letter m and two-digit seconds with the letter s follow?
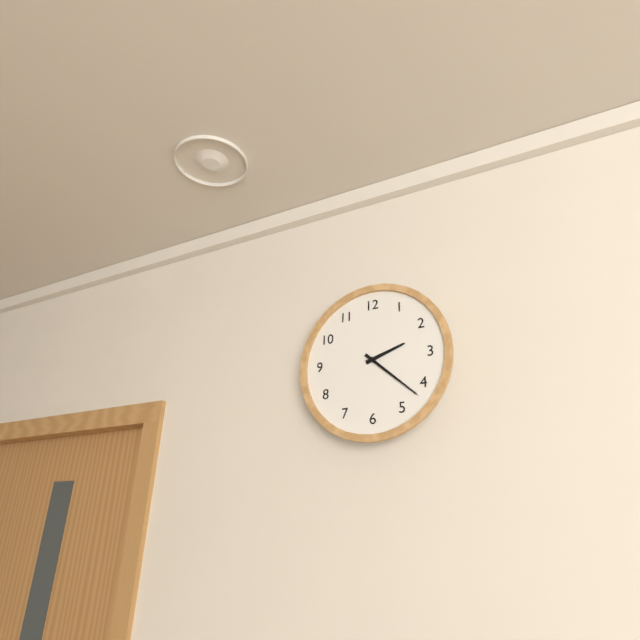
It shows 2h22
